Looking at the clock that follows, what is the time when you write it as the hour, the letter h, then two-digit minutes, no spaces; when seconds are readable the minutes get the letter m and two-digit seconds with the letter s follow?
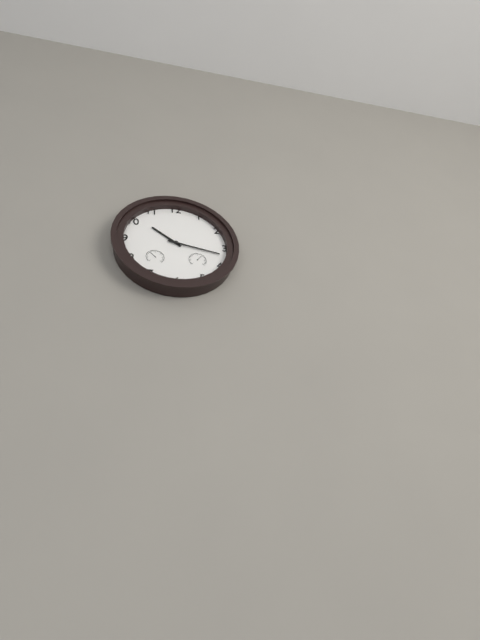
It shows 10h17
